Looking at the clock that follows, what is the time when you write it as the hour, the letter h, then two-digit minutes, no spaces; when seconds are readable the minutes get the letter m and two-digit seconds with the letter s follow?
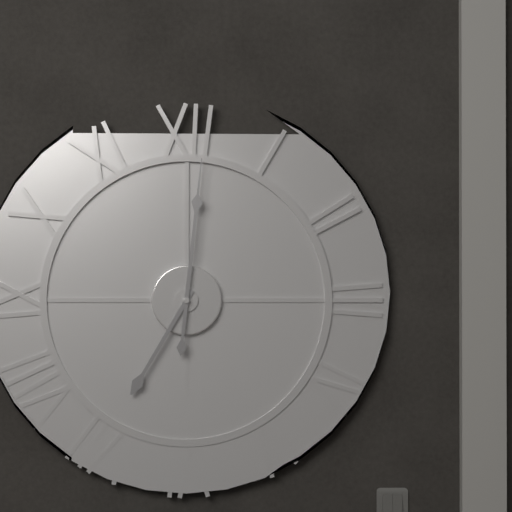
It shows 7h01
